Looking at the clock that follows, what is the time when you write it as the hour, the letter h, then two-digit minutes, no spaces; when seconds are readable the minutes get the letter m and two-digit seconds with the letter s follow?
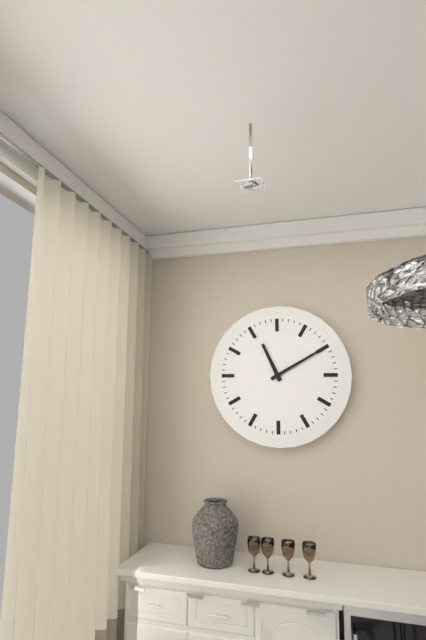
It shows 11h10
